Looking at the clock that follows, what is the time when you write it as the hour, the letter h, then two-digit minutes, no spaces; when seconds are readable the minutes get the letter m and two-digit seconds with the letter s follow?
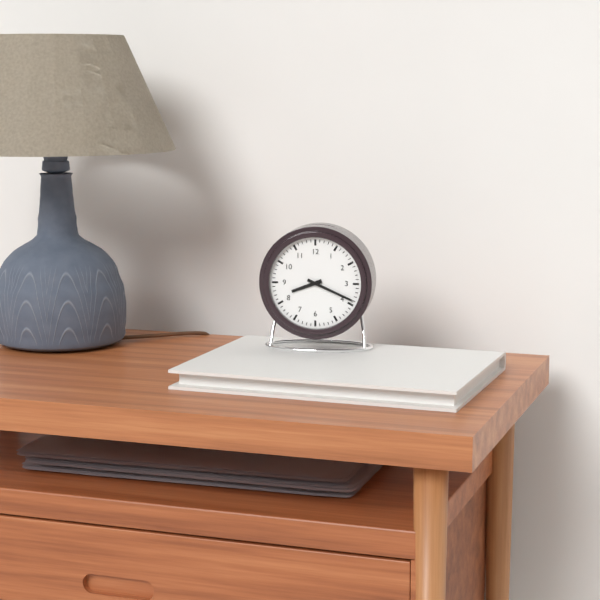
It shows 8h19
